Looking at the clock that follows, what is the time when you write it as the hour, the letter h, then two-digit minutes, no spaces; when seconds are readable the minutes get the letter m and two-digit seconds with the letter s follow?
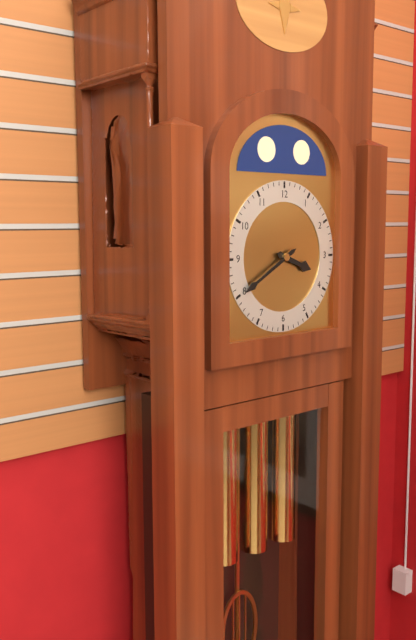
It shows 3h40
